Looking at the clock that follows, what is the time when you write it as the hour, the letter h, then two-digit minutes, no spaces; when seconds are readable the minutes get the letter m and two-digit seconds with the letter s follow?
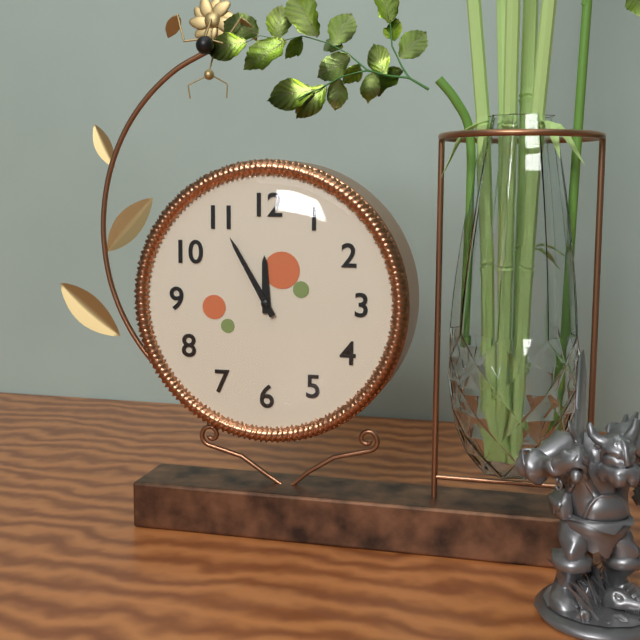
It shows 11h55
